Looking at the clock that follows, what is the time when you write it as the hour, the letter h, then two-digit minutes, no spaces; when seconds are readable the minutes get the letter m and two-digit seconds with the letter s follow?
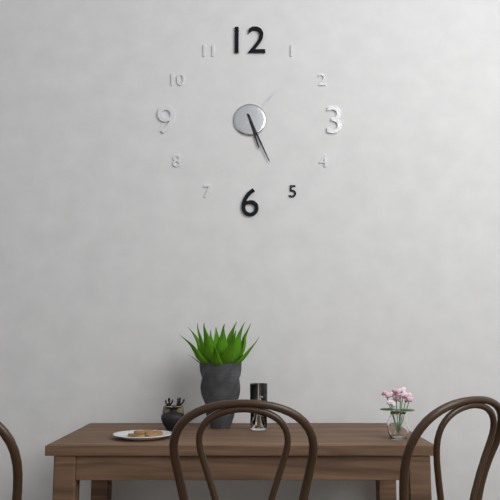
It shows 5h26m07s
